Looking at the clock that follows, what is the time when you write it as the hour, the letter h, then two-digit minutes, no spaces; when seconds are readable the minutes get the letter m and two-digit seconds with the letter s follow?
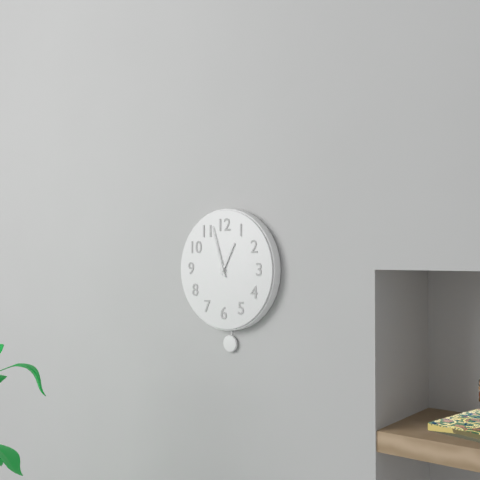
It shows 12h57
